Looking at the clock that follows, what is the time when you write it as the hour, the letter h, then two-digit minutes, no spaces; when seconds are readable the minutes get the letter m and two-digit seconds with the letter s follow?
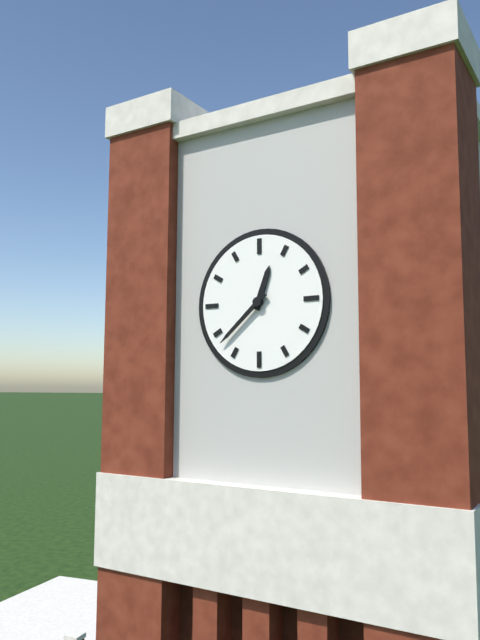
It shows 12h38
